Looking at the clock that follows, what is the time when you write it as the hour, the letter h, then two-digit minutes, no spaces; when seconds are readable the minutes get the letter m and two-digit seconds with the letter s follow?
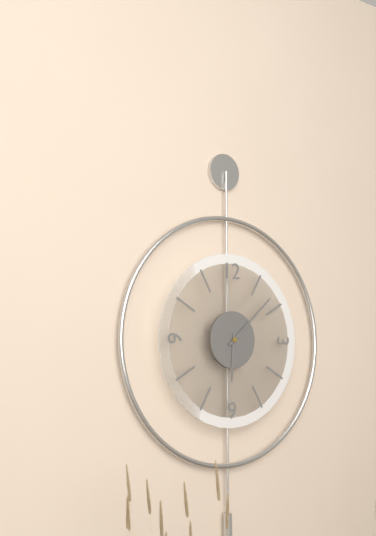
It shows 6h08
